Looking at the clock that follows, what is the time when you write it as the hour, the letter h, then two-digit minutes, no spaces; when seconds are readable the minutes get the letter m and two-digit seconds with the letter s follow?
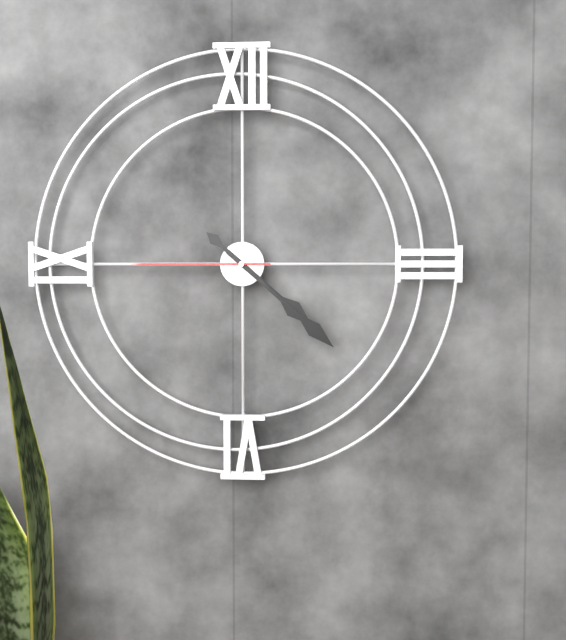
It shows 4h22m45s
